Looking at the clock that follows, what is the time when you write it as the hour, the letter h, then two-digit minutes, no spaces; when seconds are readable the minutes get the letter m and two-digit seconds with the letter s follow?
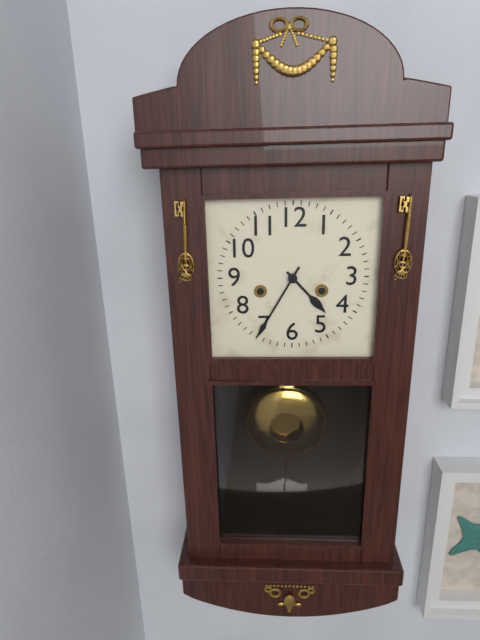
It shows 4h35
